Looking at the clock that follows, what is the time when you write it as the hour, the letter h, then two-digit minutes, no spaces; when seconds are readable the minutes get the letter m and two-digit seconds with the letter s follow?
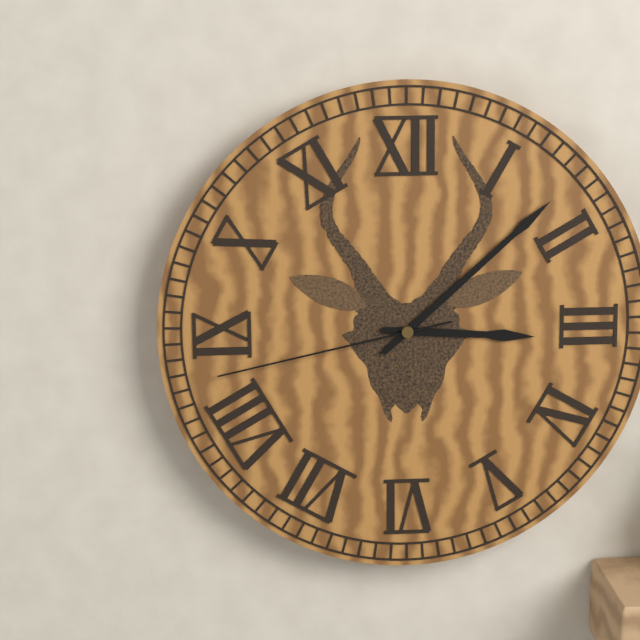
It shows 3h08m43s
